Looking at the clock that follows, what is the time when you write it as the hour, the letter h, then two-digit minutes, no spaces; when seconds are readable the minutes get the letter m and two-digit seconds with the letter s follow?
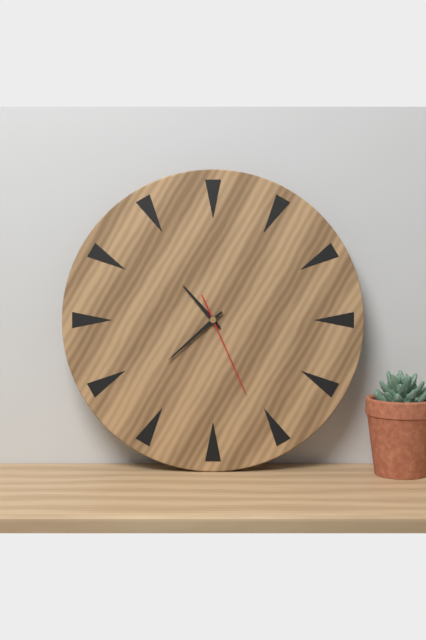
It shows 10h38m26s
